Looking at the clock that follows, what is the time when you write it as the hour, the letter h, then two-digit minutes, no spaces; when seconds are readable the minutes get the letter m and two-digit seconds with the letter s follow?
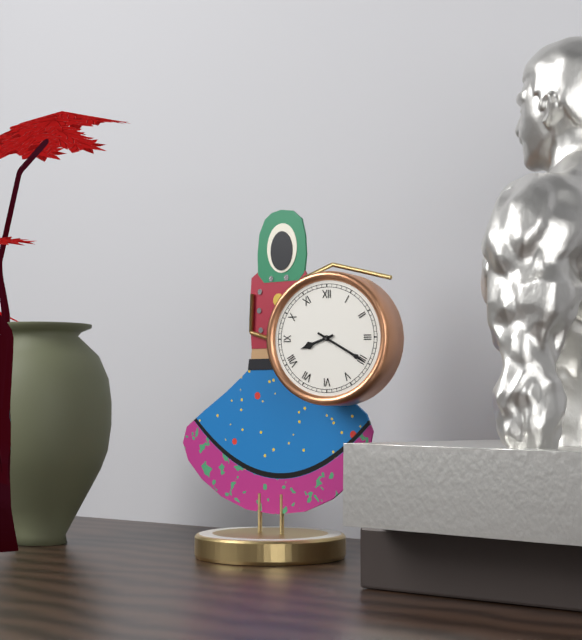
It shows 8h20
